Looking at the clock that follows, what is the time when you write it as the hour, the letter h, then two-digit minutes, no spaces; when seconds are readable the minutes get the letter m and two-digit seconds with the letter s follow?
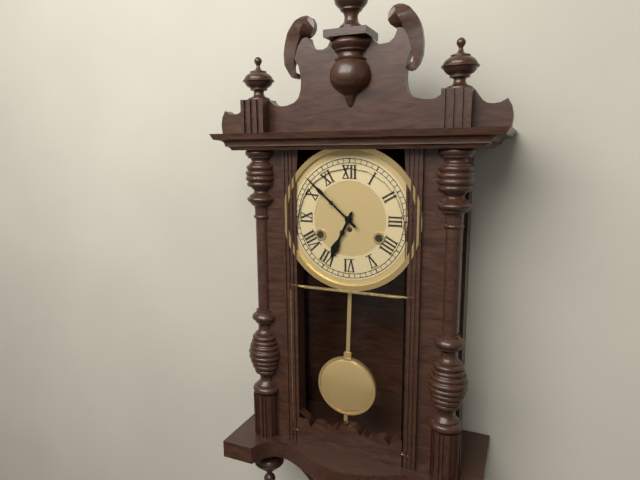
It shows 6h52
